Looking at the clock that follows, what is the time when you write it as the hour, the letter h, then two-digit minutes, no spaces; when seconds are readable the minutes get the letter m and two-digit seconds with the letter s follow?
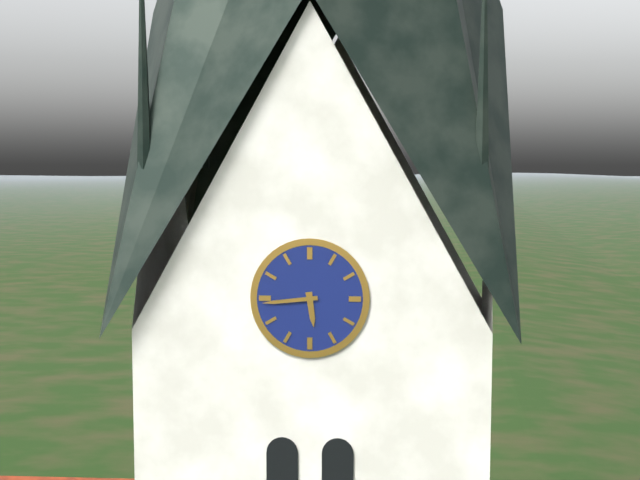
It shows 5h44
